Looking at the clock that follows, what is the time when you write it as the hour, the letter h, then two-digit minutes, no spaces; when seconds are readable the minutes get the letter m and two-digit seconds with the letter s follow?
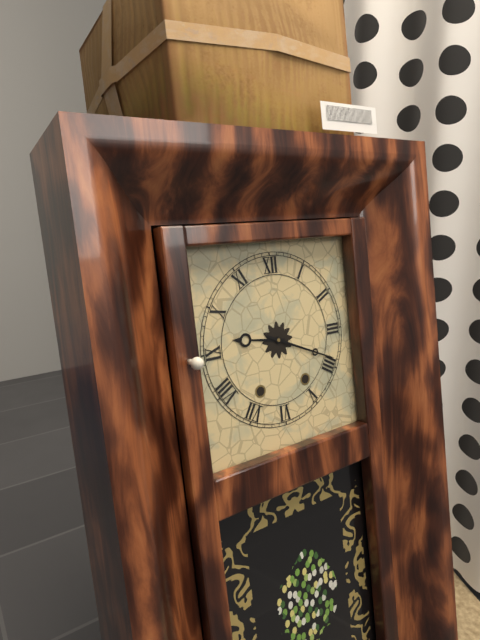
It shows 9h19
